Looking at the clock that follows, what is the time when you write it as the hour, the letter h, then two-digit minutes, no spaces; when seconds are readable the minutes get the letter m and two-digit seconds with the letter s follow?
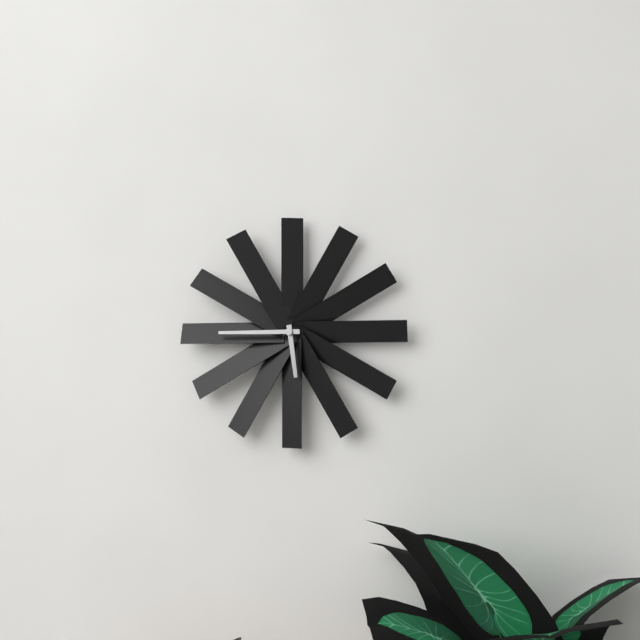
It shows 5h45
